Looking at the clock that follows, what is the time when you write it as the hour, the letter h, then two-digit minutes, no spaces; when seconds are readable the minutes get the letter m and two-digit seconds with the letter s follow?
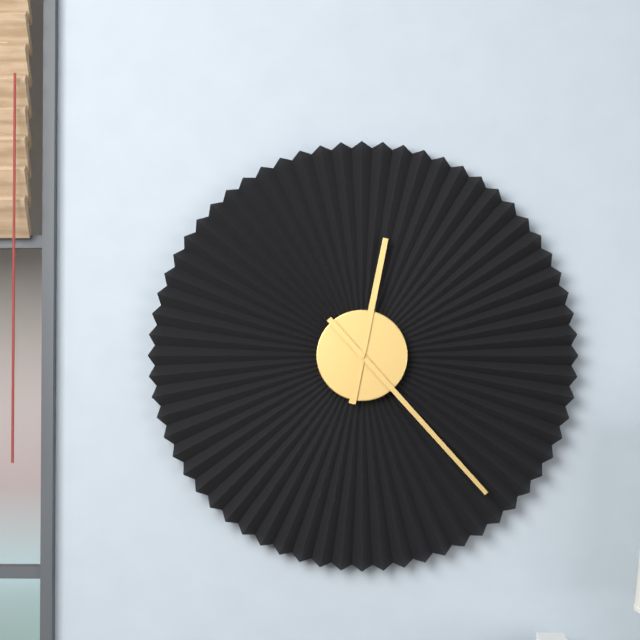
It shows 12h23
